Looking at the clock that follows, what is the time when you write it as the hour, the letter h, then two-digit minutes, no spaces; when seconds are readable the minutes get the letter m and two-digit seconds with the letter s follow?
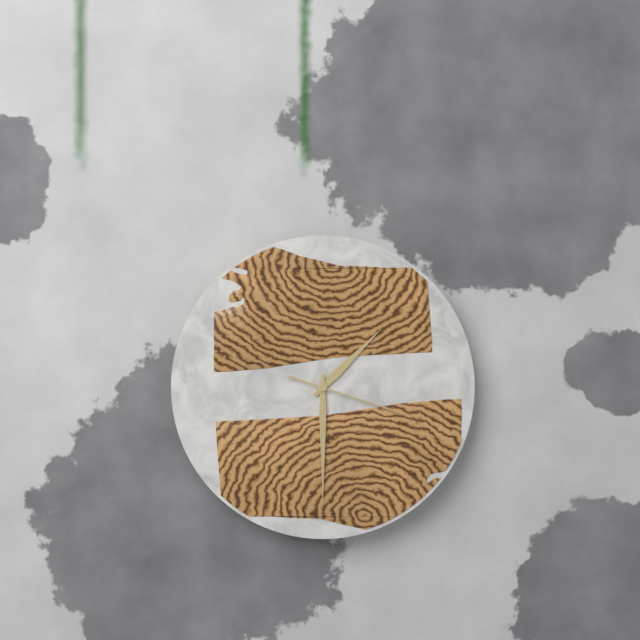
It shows 1h30m18s
